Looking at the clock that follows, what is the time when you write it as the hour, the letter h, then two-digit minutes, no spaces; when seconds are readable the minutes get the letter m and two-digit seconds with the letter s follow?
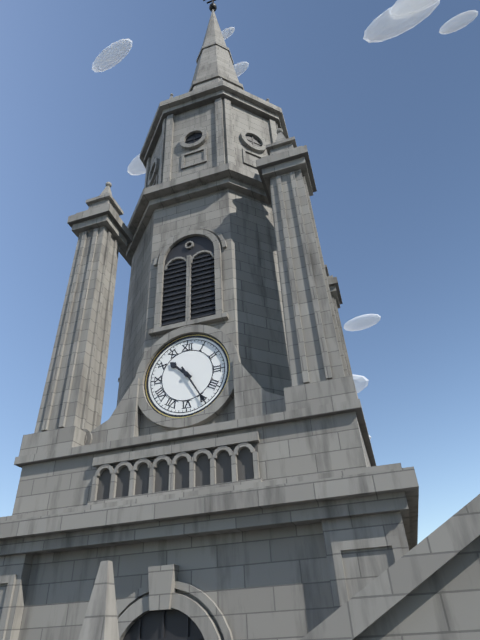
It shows 10h25
